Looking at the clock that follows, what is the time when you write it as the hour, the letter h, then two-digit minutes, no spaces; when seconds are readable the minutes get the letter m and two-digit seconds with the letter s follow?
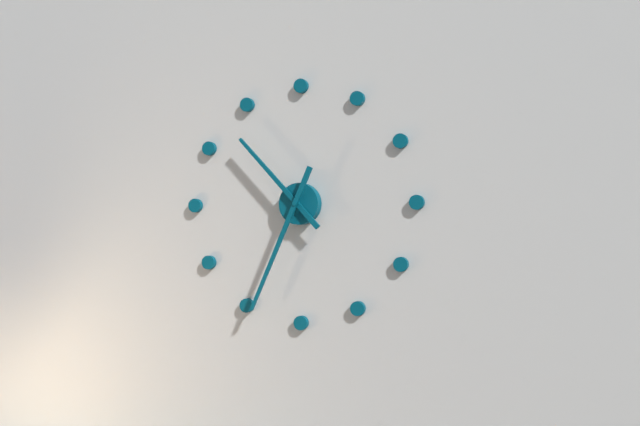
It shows 10h34
